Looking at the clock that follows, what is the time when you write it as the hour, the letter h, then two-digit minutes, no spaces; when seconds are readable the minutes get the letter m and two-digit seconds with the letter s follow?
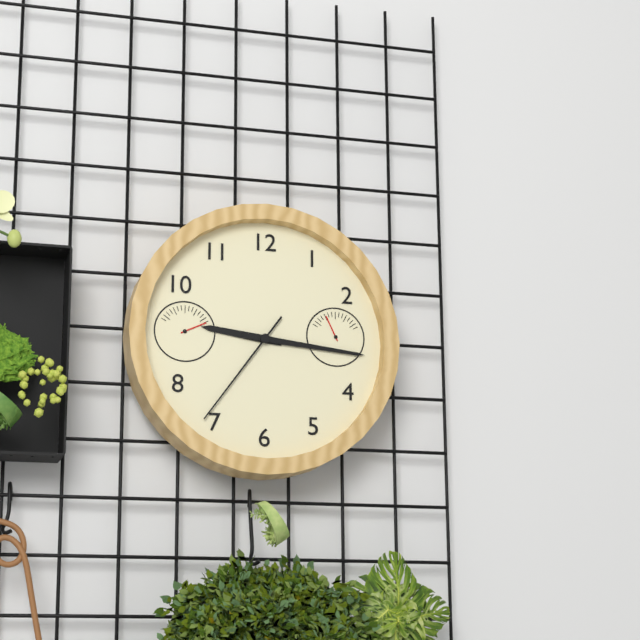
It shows 9h16m36s
